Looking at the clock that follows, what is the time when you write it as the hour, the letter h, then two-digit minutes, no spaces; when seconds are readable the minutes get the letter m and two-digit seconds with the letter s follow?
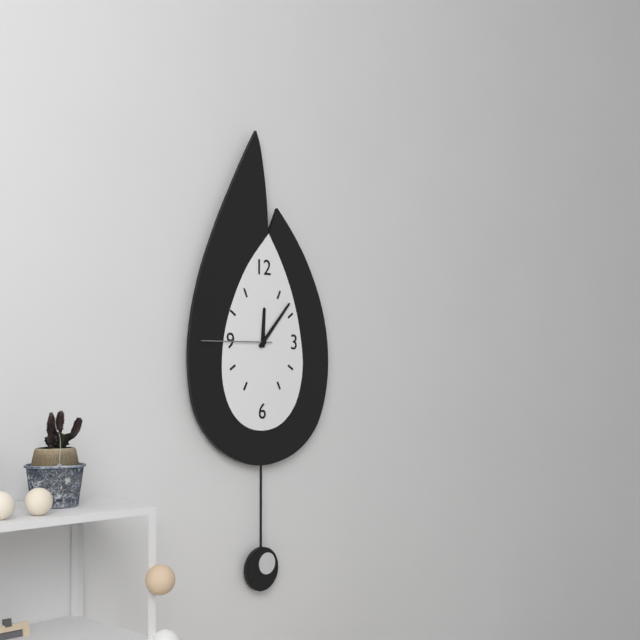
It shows 12h07m45s
